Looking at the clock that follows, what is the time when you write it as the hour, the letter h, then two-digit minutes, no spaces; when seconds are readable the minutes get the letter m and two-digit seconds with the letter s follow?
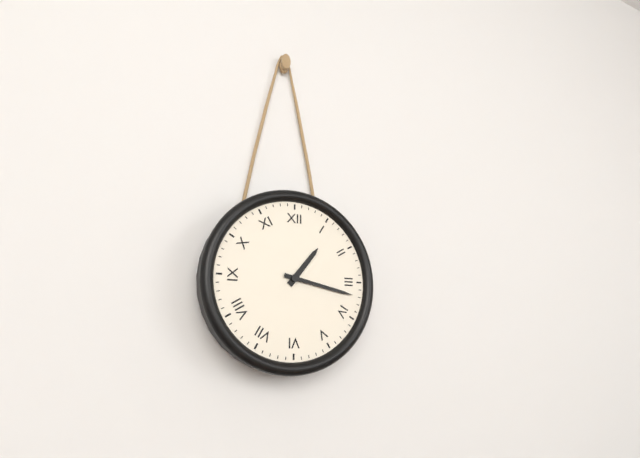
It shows 1h17
